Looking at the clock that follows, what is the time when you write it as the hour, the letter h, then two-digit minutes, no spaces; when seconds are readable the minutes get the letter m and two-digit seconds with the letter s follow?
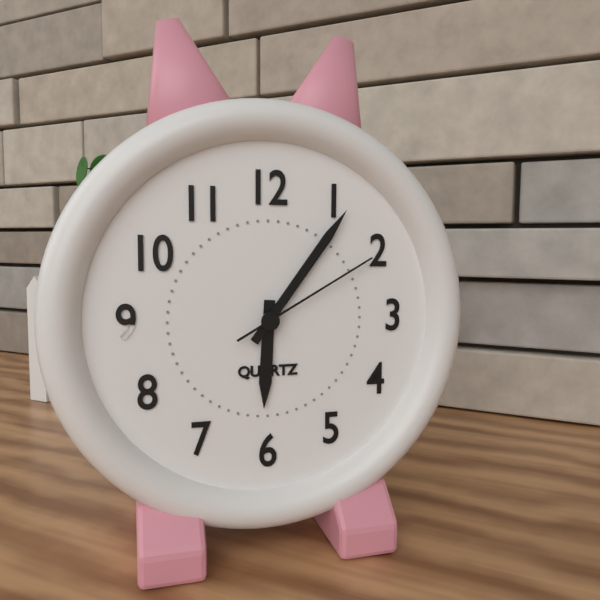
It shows 6h06m10s
